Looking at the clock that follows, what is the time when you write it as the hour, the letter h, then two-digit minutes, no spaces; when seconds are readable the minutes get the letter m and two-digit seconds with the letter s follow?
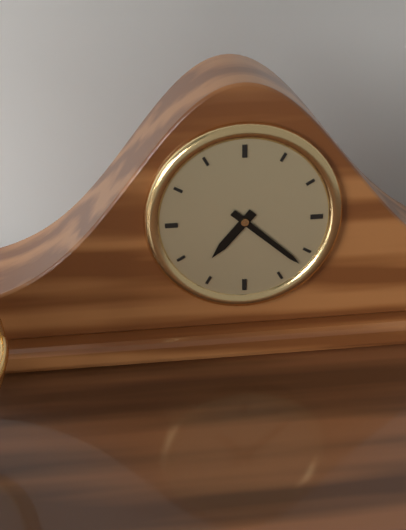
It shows 7h22
